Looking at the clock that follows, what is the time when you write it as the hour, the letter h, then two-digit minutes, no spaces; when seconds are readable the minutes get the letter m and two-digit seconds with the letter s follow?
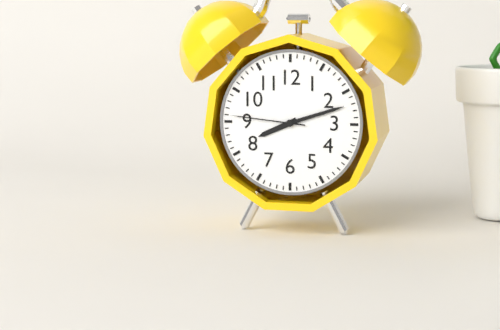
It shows 8h12m46s
